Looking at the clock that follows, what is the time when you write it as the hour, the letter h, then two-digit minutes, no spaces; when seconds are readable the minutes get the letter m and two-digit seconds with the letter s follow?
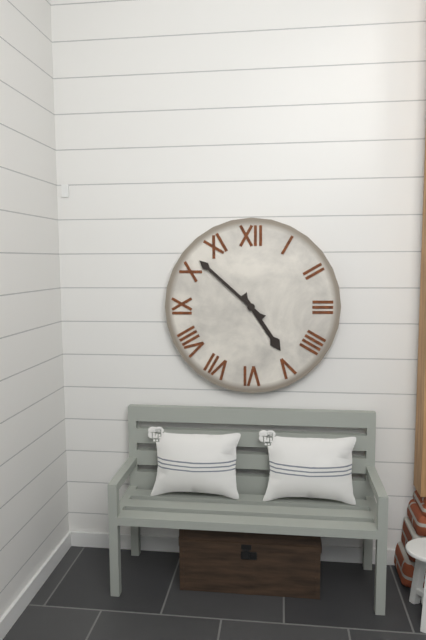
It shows 4h52
